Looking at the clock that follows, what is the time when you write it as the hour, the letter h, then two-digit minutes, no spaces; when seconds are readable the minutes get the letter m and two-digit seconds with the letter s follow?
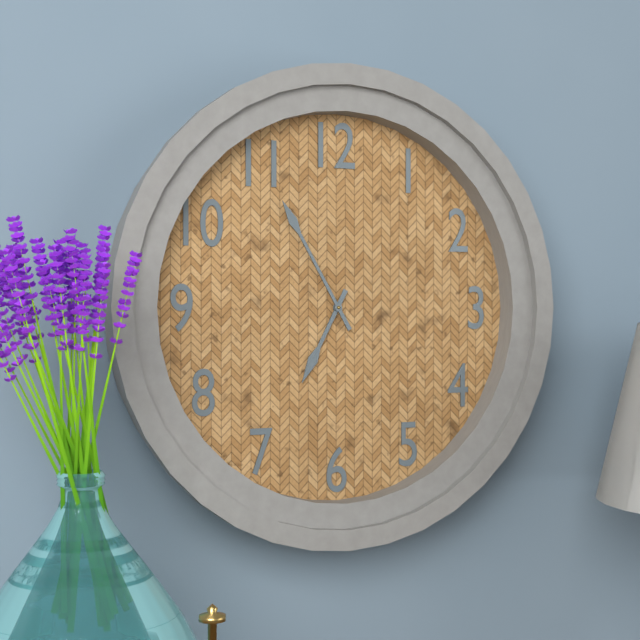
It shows 6h55
